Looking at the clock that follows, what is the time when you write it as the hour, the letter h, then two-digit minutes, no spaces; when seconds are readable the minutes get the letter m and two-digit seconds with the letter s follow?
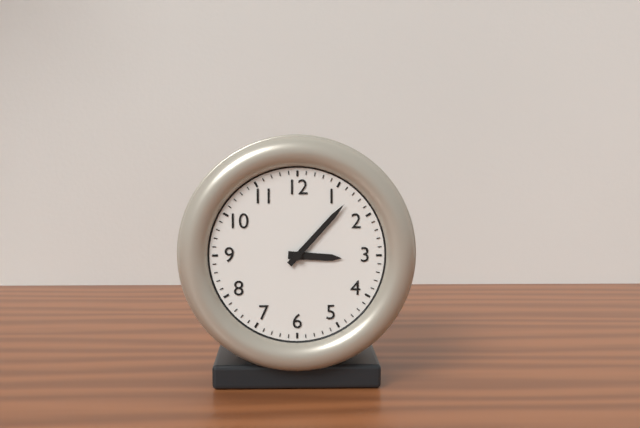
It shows 3h07
